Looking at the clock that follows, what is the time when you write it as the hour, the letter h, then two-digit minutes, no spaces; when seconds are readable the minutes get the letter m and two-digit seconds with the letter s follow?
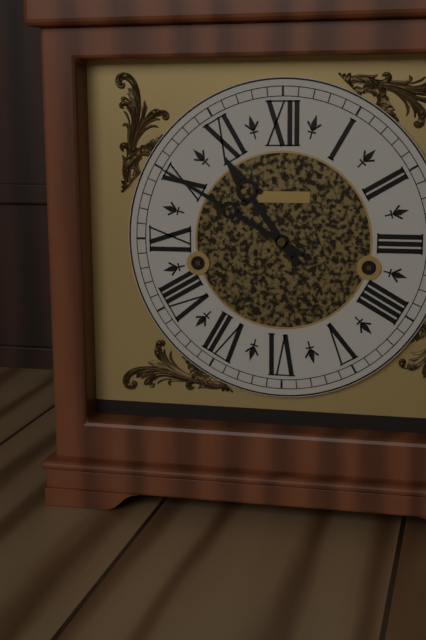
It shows 10h50
